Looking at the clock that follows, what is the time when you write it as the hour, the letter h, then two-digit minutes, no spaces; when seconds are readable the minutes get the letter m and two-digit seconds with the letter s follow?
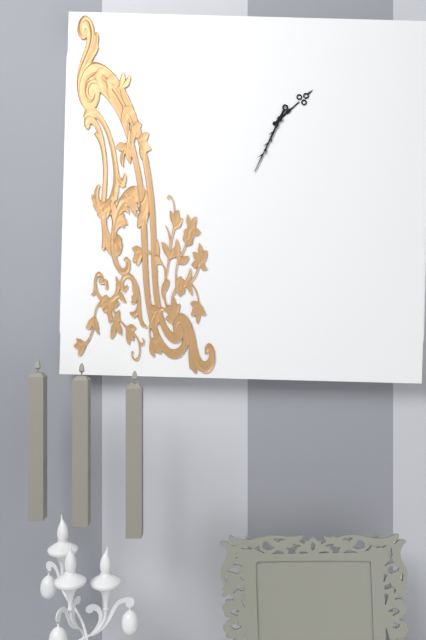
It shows 1h34
